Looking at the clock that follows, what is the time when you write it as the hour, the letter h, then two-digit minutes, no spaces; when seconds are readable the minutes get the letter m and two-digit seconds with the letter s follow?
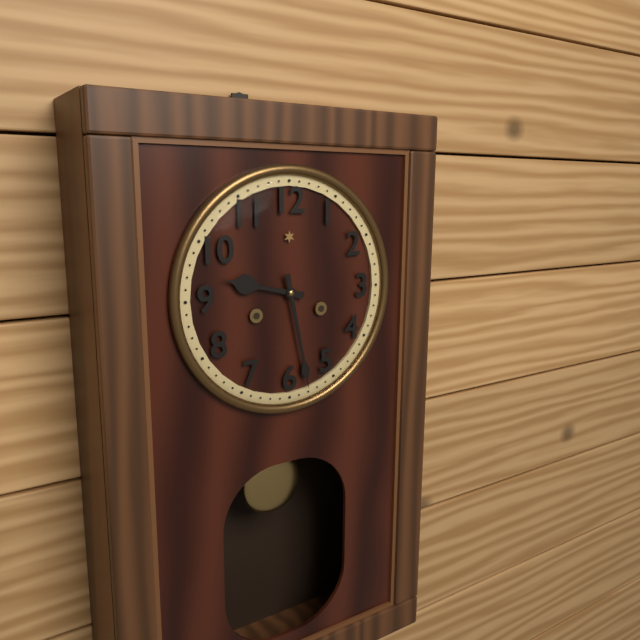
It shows 9h28
